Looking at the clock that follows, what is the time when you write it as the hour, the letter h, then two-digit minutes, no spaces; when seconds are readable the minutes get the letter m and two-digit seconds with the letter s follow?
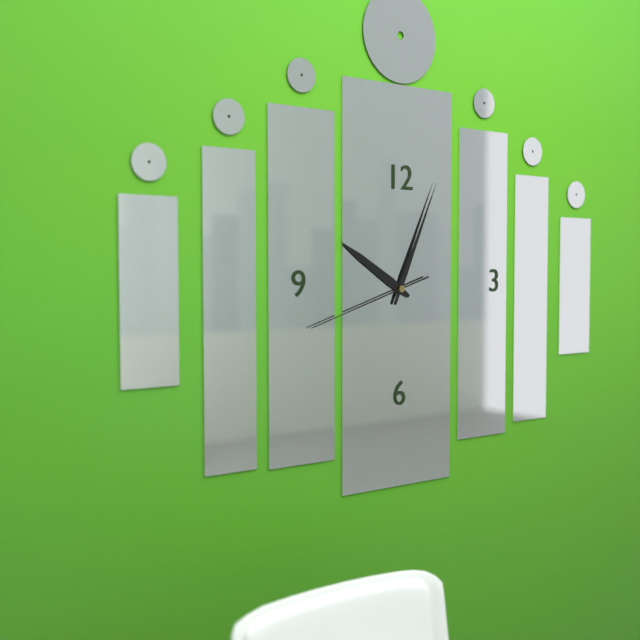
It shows 10h04m42s
